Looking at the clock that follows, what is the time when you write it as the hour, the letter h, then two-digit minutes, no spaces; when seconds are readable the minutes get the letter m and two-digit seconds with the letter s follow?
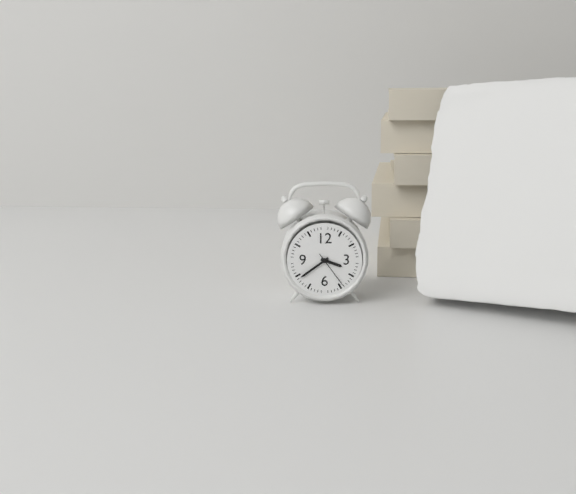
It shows 3h39
